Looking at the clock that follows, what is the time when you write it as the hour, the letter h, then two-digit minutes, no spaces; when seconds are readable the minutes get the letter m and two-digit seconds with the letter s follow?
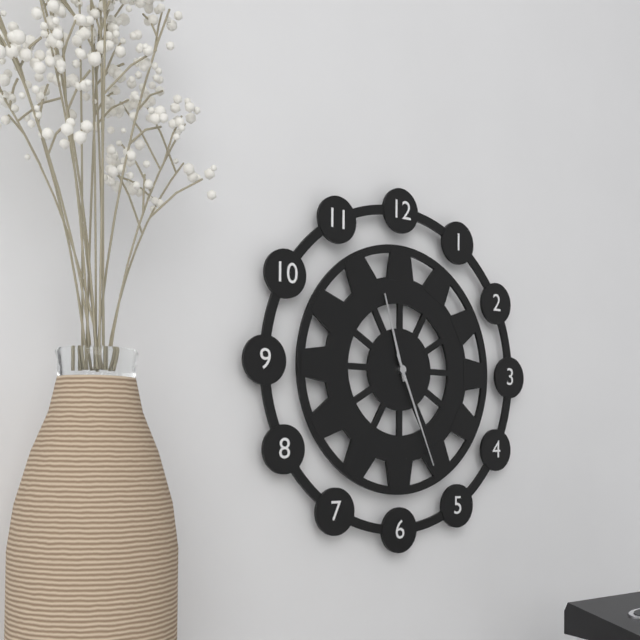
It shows 11h26
